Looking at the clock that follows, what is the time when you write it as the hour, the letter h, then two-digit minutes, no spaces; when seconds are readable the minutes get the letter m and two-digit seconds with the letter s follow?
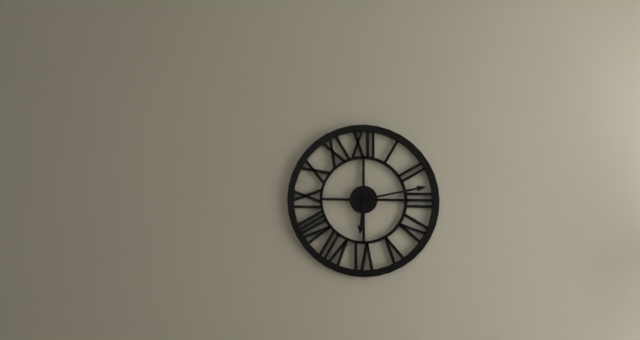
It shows 6h13
